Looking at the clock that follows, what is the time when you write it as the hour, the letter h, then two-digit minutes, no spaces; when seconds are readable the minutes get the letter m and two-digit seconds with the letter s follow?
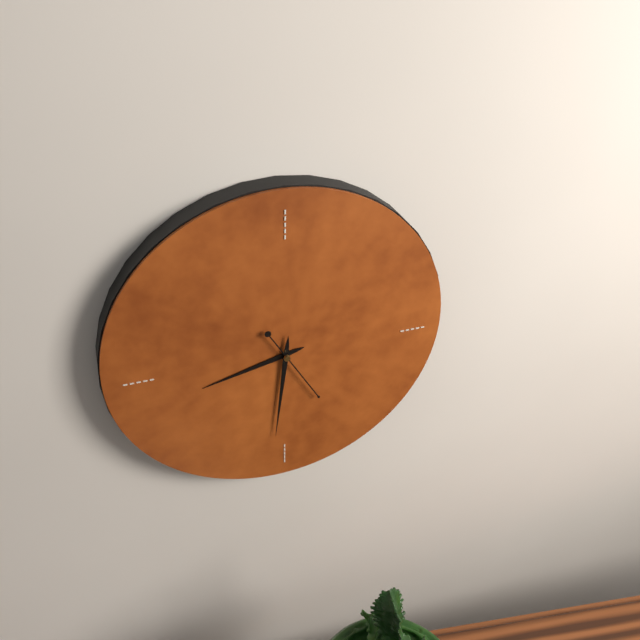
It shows 8h31m25s
